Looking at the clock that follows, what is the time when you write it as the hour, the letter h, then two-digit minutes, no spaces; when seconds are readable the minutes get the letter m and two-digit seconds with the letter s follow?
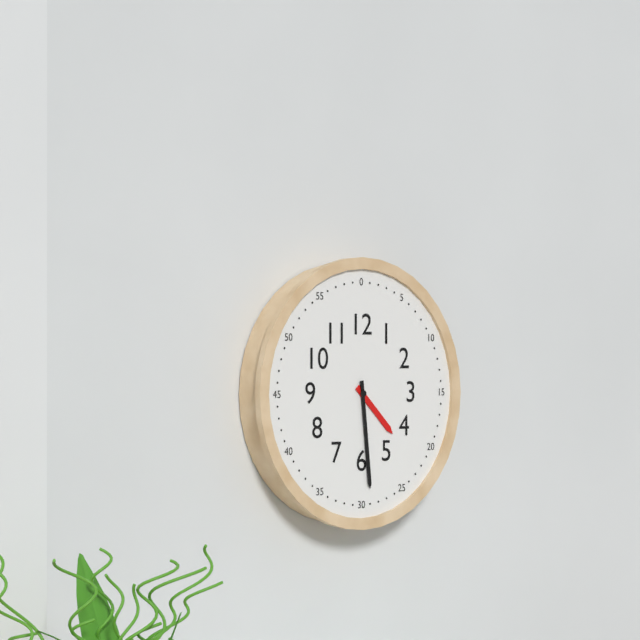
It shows 4h29
